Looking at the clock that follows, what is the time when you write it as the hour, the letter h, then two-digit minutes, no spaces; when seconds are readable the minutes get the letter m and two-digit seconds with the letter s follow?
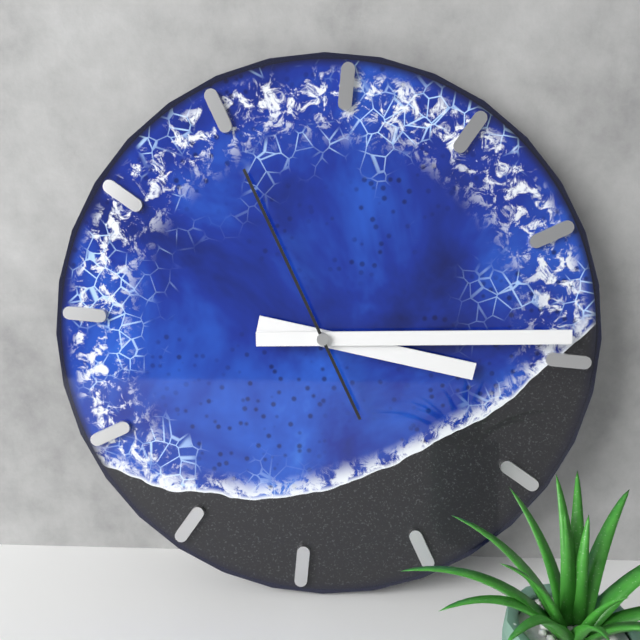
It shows 3h14m55s
